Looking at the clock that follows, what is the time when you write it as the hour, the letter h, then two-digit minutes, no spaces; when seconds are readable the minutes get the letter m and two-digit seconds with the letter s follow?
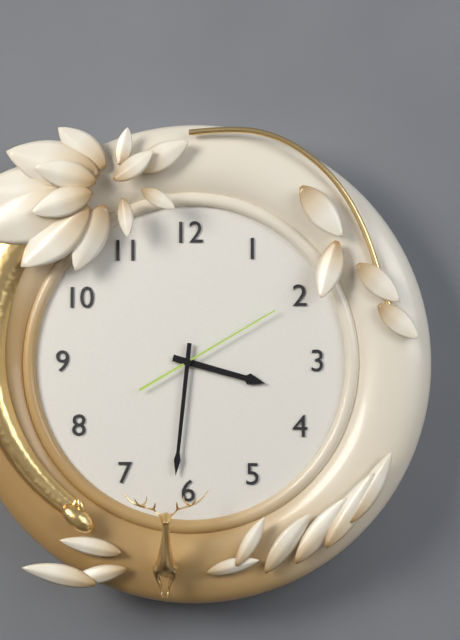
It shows 3h31m10s
